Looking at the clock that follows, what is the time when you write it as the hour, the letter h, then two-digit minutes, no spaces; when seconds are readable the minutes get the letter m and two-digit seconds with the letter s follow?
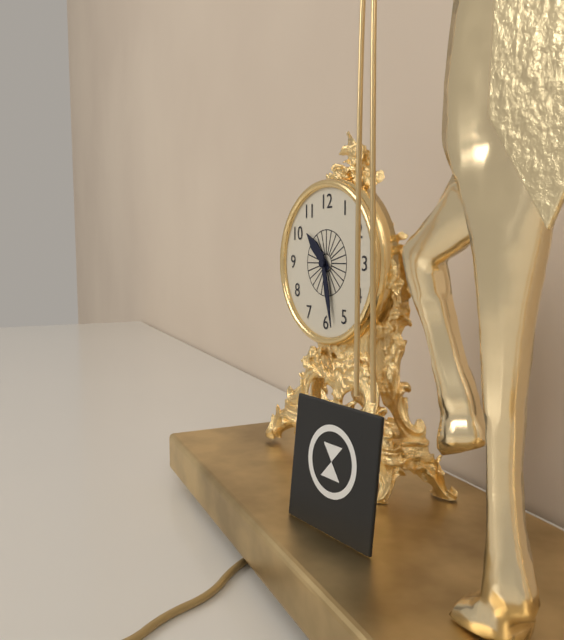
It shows 10h28
